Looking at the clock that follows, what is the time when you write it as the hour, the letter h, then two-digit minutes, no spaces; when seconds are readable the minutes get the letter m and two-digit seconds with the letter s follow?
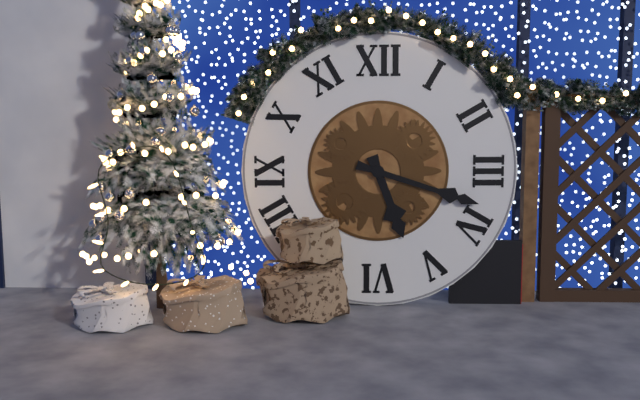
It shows 5h18
